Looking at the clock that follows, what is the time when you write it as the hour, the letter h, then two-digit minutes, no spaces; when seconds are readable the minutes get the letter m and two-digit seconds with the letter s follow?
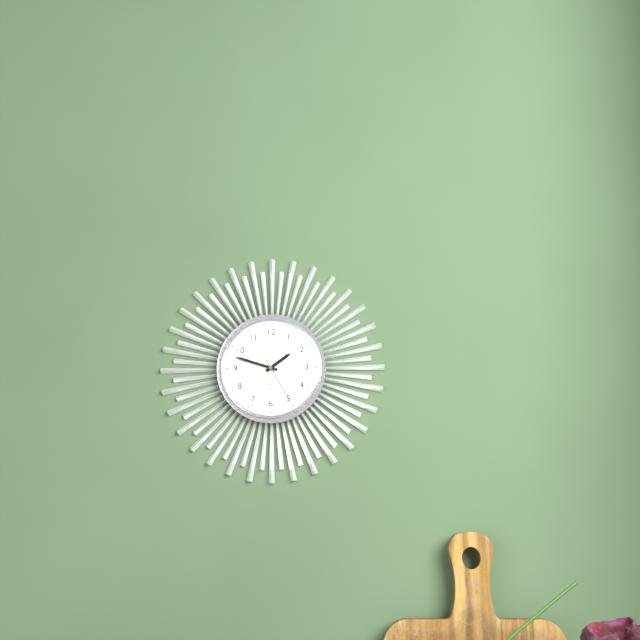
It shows 1h48m25s
